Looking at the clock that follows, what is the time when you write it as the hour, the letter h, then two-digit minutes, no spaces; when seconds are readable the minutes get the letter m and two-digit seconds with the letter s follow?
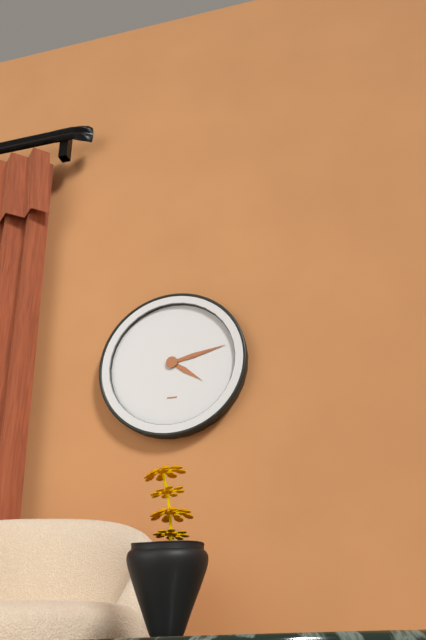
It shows 4h13
